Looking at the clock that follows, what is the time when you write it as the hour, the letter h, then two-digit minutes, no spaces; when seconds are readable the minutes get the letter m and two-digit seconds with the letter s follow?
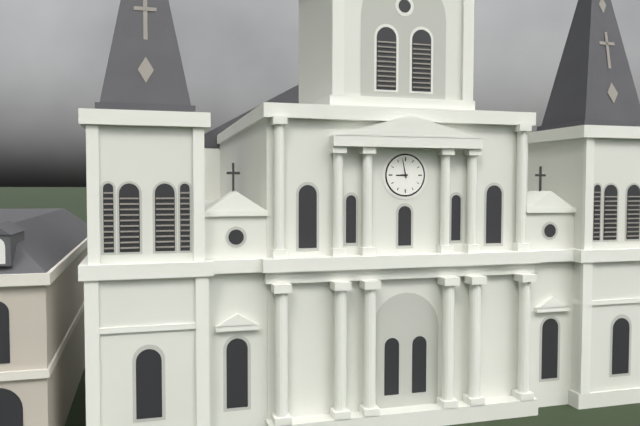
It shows 8h58
